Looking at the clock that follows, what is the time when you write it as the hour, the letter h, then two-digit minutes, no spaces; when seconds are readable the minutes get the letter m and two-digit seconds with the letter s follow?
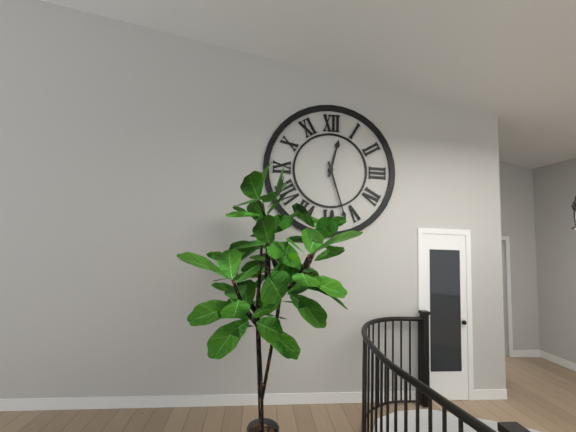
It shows 12h27
